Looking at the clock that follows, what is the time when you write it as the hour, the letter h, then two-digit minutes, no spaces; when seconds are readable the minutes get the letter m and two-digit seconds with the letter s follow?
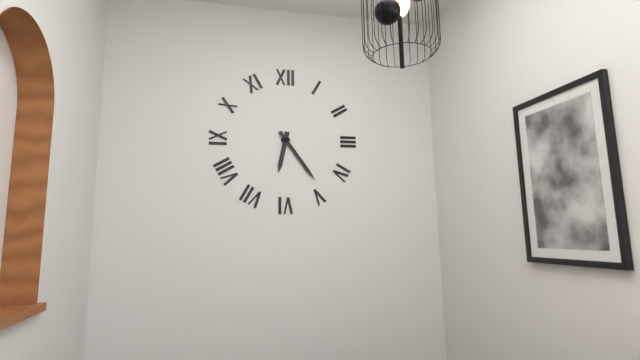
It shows 6h24
